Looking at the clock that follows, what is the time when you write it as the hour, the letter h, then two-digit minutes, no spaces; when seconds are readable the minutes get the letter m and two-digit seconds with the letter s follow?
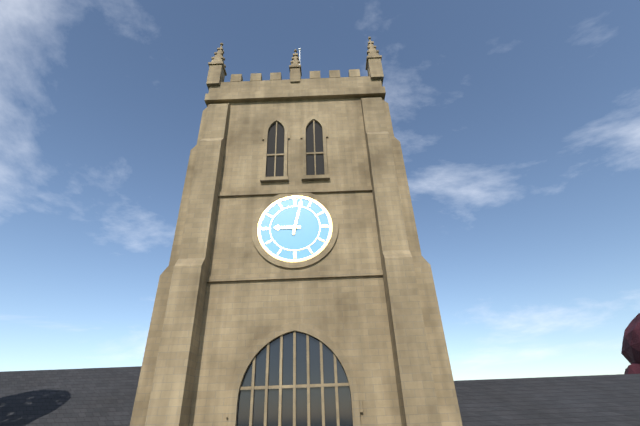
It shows 9h02
